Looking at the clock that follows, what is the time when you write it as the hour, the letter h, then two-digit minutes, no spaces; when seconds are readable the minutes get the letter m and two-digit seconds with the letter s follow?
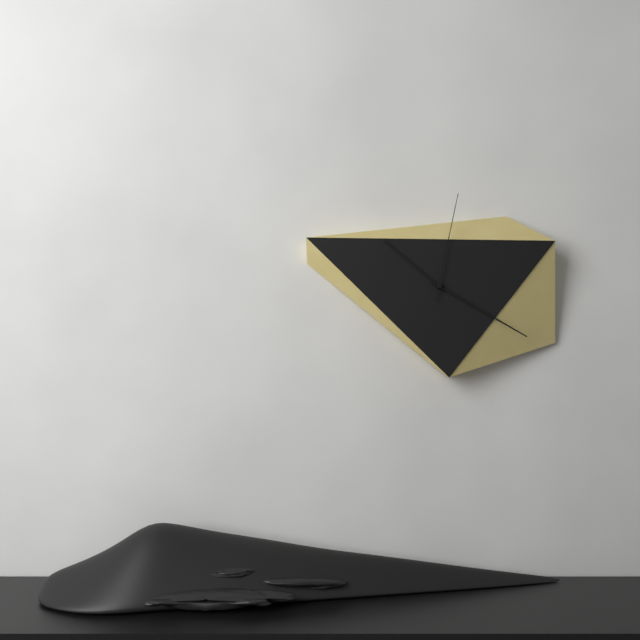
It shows 10h20m02s
